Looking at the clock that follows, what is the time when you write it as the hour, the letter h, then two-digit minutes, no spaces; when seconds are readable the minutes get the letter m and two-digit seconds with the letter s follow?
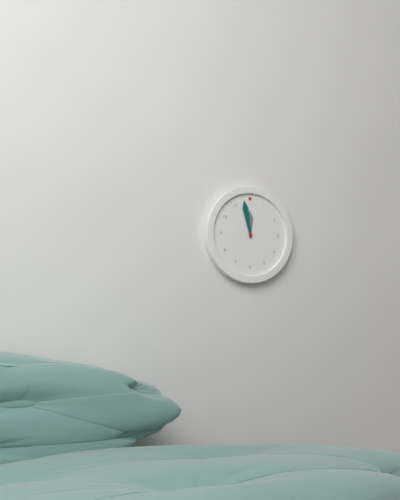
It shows 11h58
